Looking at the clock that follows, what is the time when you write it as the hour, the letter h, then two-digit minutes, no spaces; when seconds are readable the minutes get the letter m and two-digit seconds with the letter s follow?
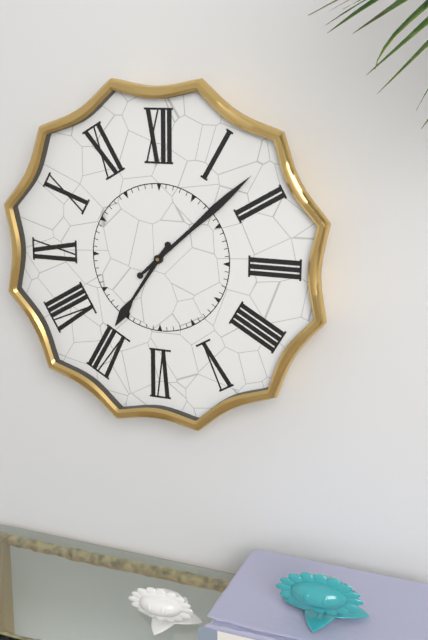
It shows 7h08
